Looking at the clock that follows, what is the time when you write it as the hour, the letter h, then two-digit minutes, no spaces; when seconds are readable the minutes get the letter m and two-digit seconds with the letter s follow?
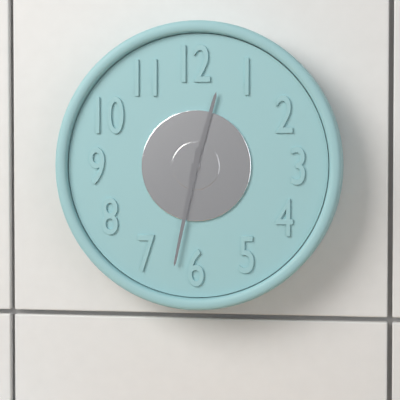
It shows 12h32
